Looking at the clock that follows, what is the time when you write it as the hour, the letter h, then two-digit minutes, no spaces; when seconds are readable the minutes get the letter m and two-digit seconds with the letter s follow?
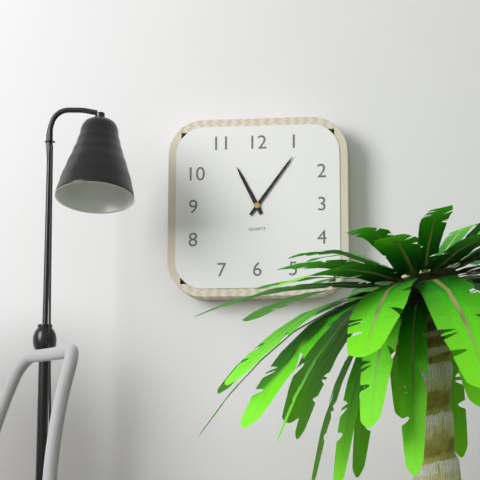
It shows 11h06
